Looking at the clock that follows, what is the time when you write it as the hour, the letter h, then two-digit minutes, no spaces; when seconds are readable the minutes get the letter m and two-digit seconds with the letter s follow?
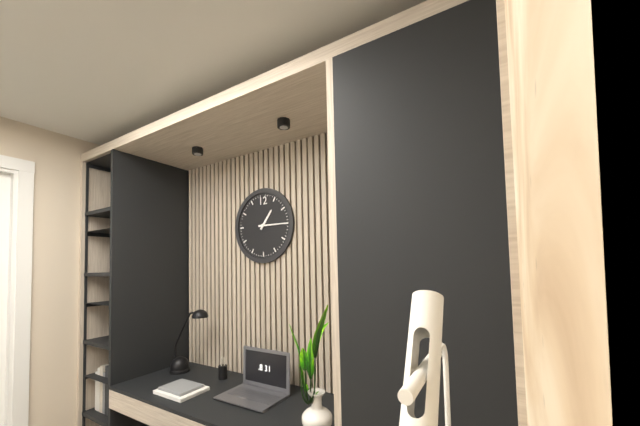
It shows 1h15
